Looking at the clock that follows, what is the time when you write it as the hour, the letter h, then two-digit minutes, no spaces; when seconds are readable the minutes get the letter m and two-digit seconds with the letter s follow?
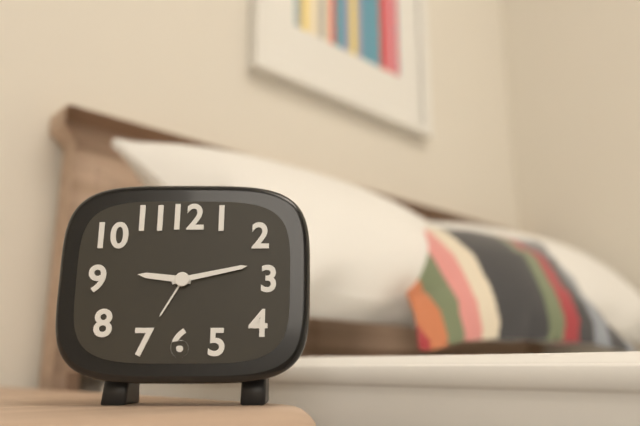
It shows 9h13
